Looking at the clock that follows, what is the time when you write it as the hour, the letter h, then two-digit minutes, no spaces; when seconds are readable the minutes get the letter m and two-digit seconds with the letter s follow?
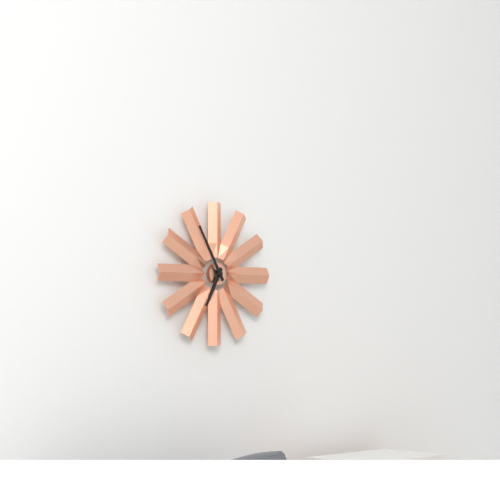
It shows 6h55
